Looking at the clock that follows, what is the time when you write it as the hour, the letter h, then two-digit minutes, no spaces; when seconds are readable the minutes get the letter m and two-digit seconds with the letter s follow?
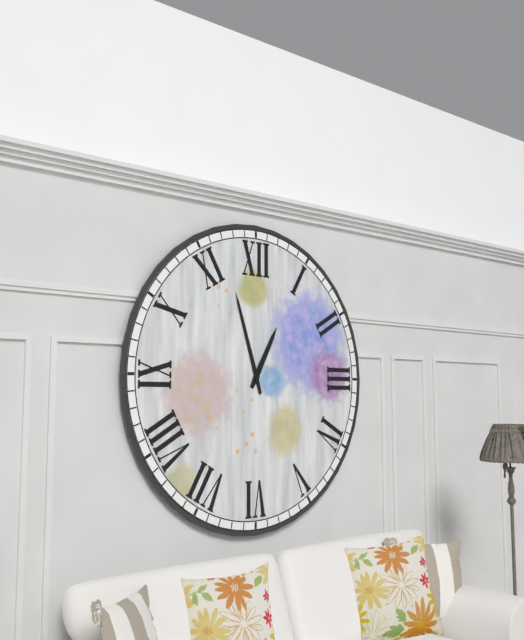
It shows 12h57
